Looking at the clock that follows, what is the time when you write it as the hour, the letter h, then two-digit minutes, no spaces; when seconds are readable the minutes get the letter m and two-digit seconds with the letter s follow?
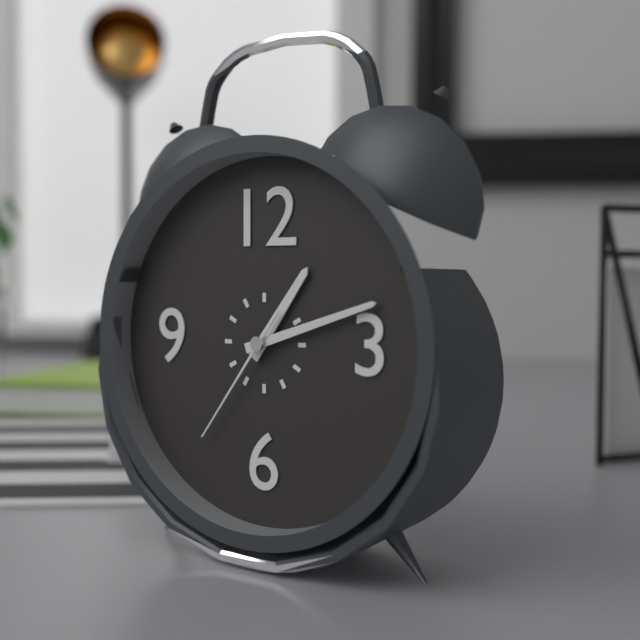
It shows 1h12m36s
